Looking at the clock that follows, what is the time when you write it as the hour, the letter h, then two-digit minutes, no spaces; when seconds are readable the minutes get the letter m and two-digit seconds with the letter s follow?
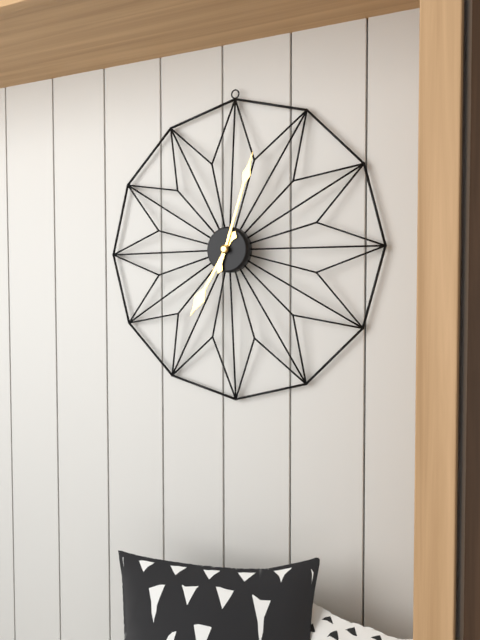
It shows 7h03
